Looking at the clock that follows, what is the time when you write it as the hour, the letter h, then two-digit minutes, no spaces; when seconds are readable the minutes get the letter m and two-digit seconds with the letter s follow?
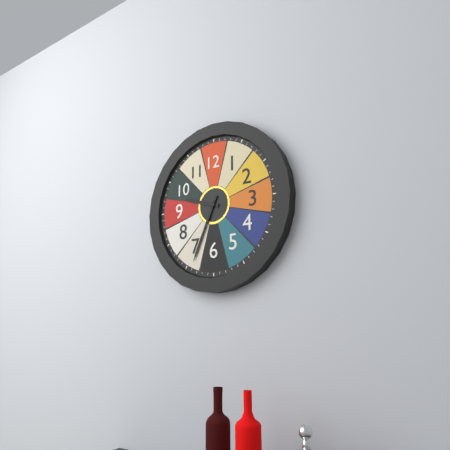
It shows 9h34
